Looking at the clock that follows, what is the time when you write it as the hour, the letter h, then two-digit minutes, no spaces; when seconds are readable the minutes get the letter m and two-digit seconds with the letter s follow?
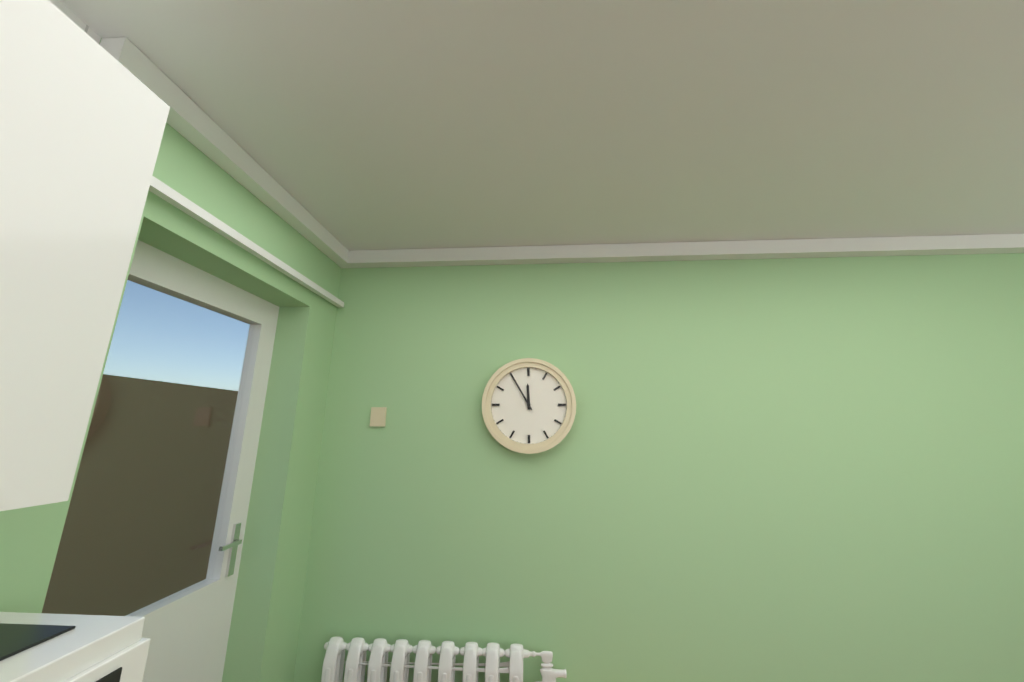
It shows 11h55
